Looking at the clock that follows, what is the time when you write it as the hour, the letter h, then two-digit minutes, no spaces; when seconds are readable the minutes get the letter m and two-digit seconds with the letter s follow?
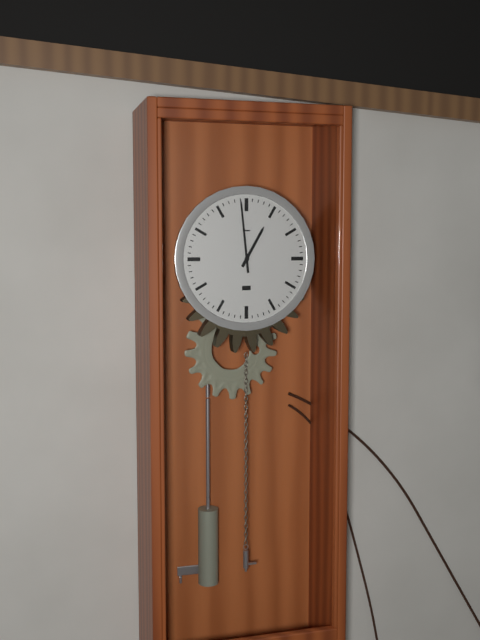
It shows 12h59
